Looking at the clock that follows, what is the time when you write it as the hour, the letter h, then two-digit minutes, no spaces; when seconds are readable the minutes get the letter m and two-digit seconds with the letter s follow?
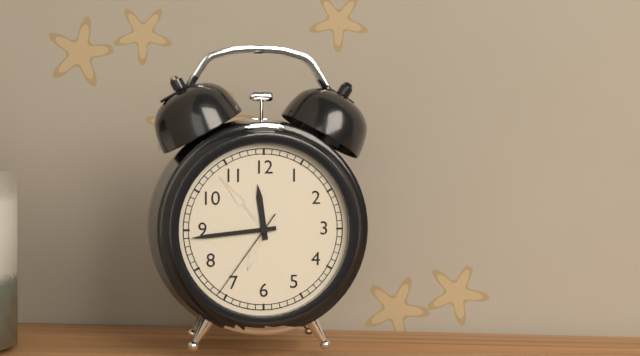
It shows 11h44m36s
